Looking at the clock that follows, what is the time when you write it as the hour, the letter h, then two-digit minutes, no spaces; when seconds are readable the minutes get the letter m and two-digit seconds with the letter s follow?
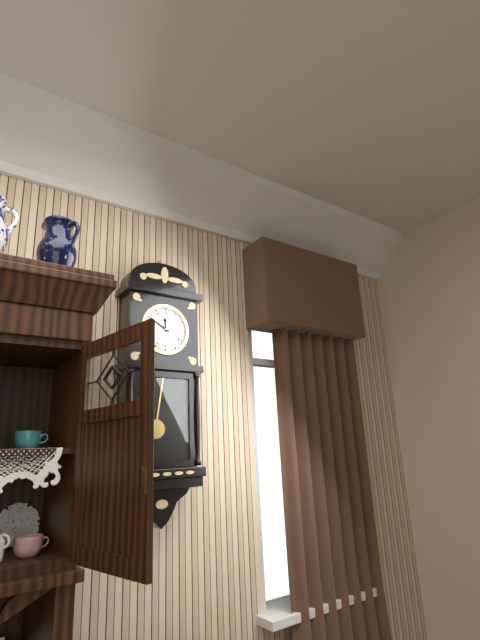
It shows 11h50
